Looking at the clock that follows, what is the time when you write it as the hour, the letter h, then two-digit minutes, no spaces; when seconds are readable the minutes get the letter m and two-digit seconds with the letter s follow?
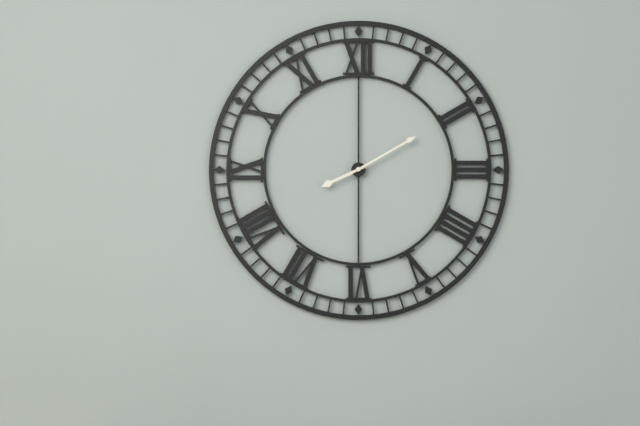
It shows 8h10
